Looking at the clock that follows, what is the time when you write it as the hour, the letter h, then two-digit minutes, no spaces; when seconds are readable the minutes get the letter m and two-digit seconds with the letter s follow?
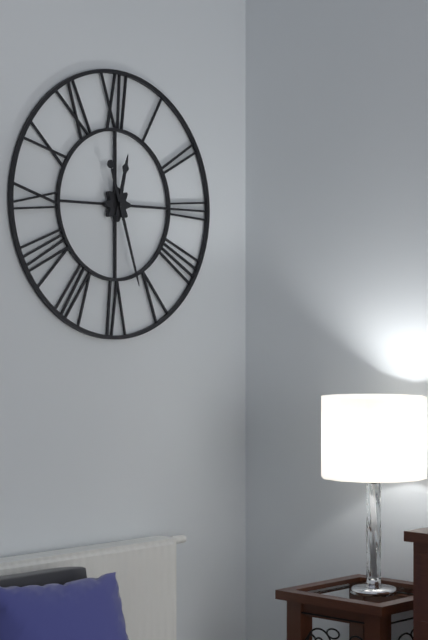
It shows 12h27
